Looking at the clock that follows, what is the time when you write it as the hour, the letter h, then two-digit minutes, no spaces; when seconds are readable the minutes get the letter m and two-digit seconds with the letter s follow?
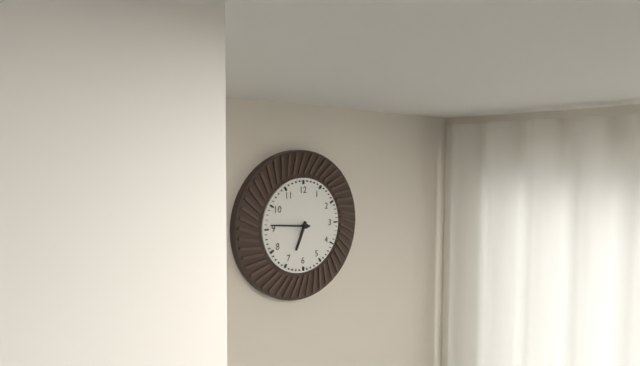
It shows 6h46
